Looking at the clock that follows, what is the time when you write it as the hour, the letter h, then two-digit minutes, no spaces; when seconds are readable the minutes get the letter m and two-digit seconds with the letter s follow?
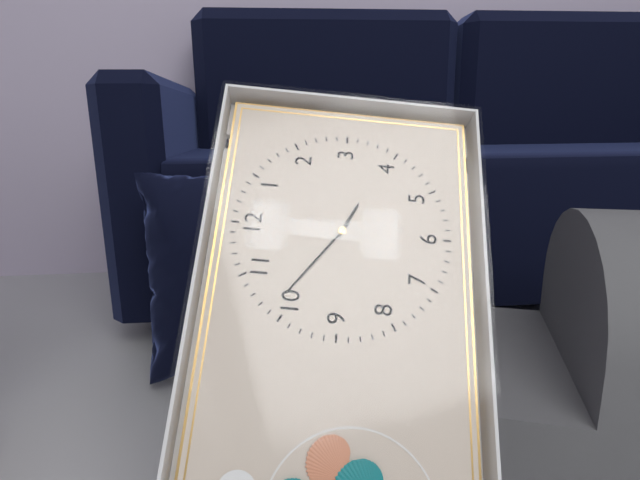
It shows 3h51
